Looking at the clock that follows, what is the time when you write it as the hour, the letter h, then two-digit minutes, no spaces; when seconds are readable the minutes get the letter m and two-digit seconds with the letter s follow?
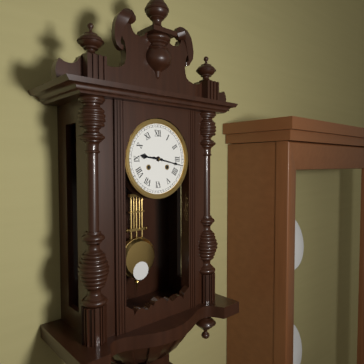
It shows 9h17
